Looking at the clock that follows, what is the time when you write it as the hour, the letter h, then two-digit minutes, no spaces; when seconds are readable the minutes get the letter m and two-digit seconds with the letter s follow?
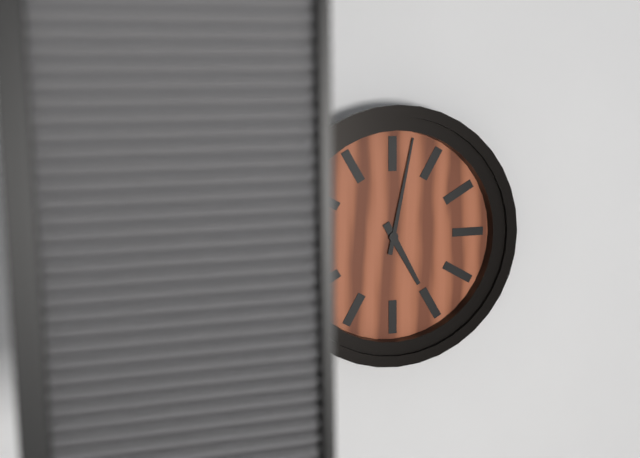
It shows 5h02
